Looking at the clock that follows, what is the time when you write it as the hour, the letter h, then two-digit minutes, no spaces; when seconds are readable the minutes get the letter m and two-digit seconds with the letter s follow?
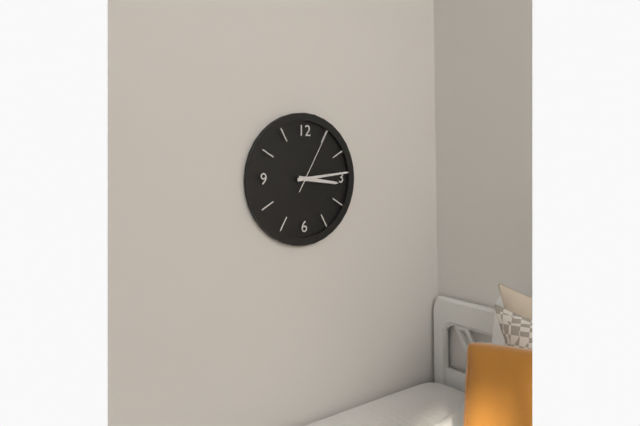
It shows 3h14m05s
